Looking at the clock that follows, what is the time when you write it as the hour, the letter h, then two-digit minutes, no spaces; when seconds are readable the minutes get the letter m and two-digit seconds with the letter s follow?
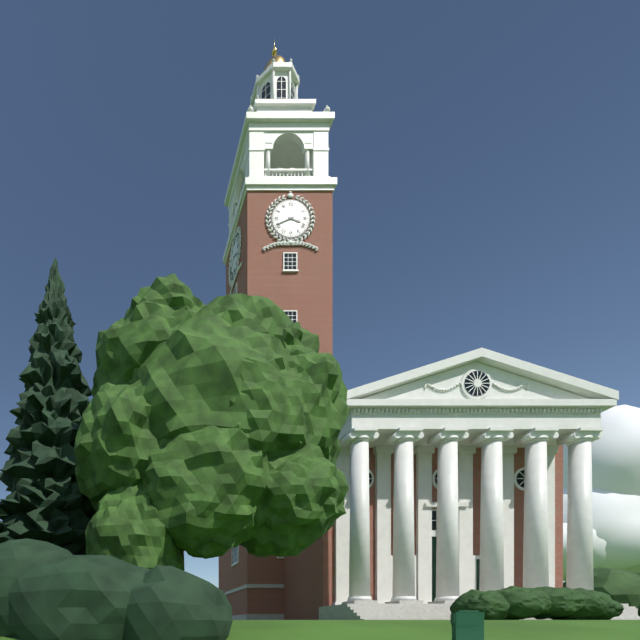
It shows 3h41
